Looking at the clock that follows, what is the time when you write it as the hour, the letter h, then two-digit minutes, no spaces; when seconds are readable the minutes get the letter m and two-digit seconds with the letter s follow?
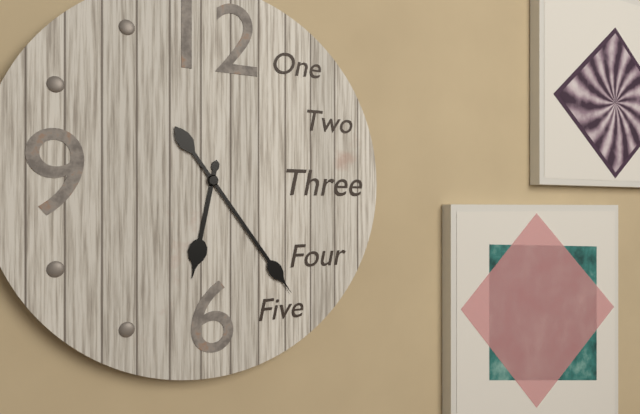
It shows 6h24
